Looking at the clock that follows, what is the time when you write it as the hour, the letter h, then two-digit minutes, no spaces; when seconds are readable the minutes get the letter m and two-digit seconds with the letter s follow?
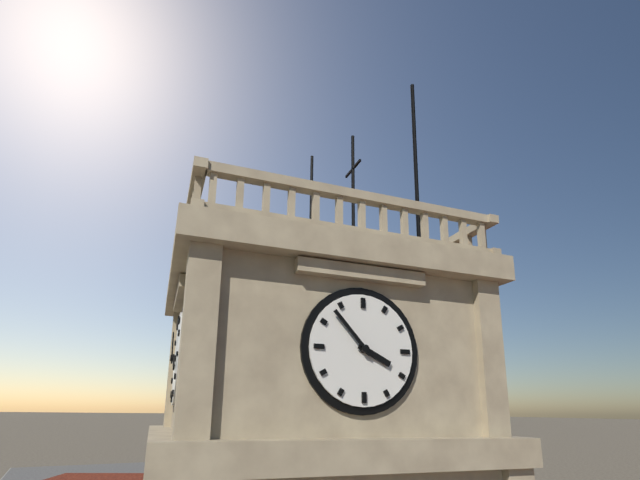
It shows 3h53
